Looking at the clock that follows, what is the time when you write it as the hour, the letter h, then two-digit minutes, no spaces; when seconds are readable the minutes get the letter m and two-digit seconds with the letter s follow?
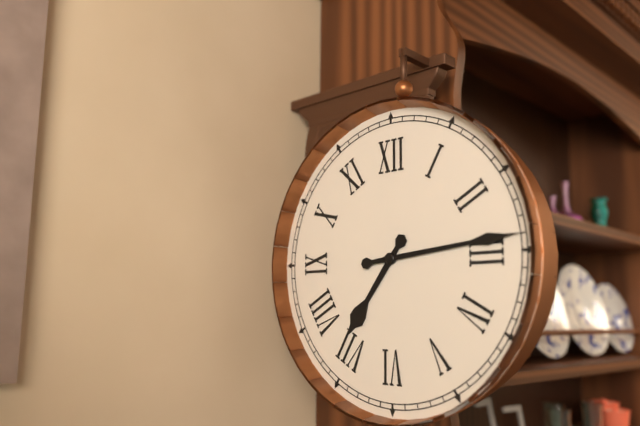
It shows 7h14
